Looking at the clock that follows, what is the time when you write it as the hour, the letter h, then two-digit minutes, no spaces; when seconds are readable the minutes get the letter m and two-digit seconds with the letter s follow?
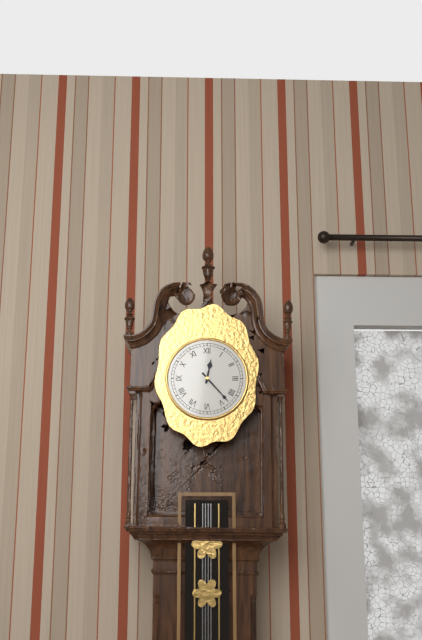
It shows 12h23
